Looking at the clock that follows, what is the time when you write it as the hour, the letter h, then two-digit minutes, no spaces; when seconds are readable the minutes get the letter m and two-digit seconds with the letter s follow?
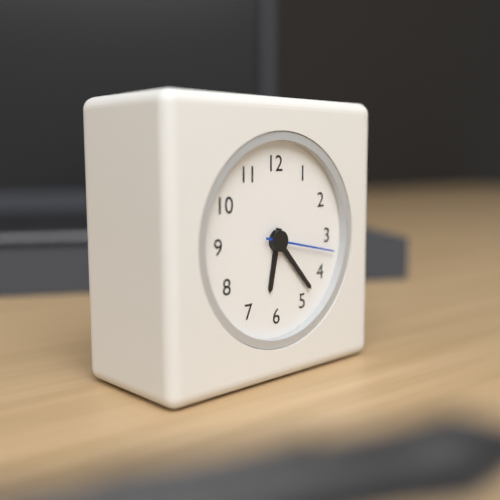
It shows 6h23m17s
